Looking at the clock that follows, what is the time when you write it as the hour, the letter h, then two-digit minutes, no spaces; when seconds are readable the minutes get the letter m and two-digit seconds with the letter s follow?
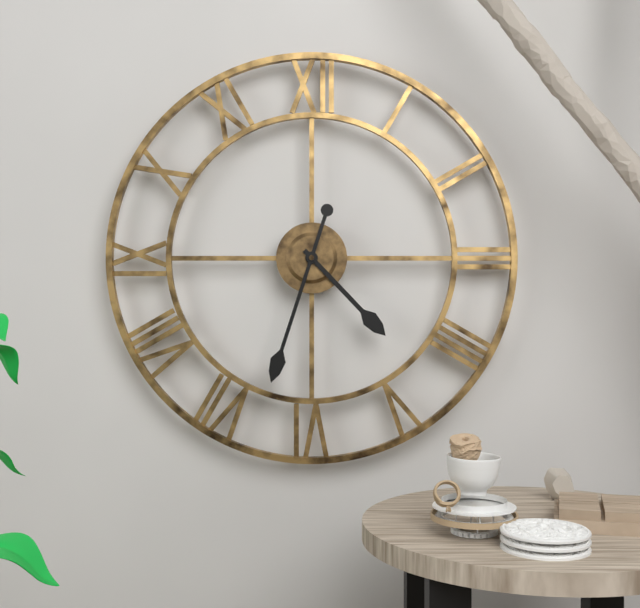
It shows 4h33
